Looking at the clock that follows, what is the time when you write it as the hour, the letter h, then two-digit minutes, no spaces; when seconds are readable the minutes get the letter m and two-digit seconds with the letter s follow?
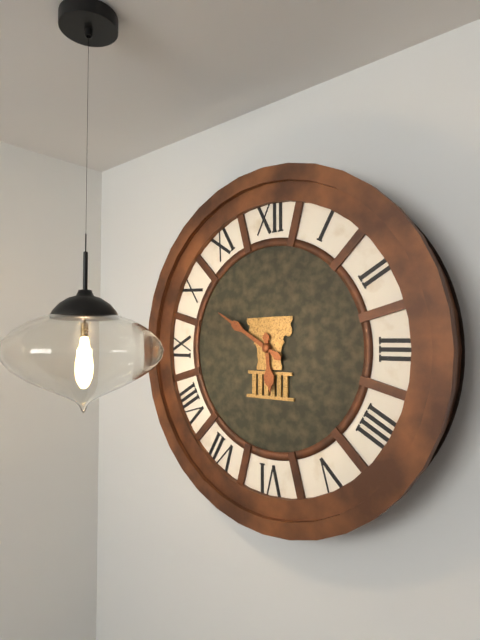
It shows 5h50
